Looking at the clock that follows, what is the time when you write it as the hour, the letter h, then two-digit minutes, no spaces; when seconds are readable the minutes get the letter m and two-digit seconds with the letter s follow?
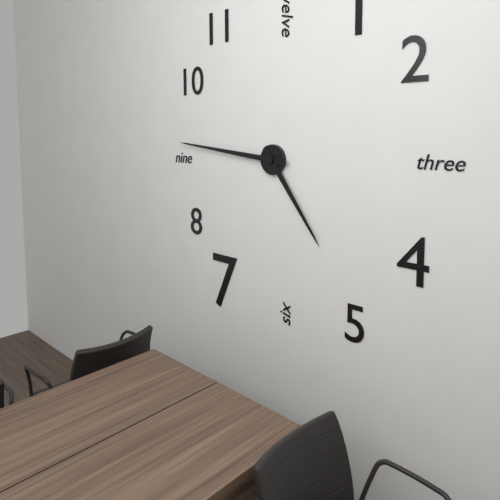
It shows 4h46
